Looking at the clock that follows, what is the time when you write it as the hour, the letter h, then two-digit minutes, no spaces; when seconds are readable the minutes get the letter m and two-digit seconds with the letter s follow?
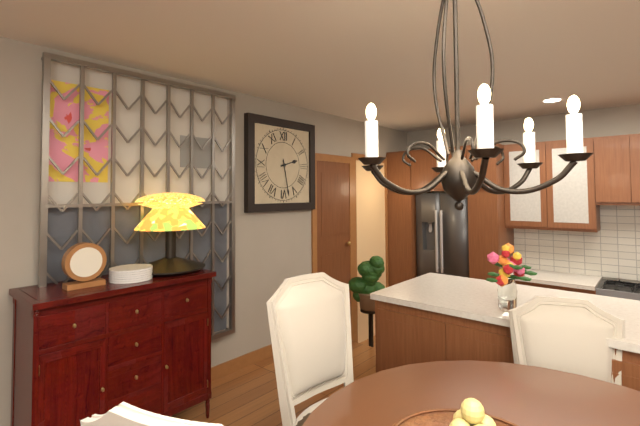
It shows 2h28
